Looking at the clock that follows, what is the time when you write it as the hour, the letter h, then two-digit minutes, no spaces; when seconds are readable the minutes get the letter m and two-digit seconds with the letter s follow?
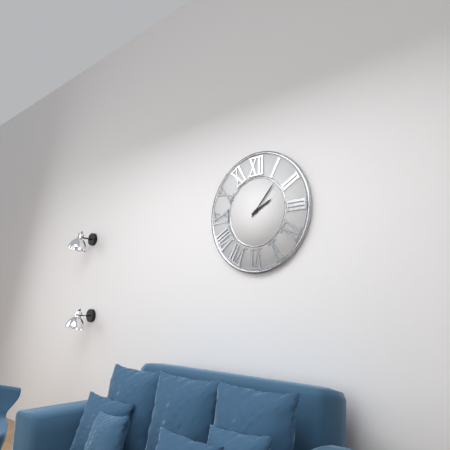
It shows 2h07
